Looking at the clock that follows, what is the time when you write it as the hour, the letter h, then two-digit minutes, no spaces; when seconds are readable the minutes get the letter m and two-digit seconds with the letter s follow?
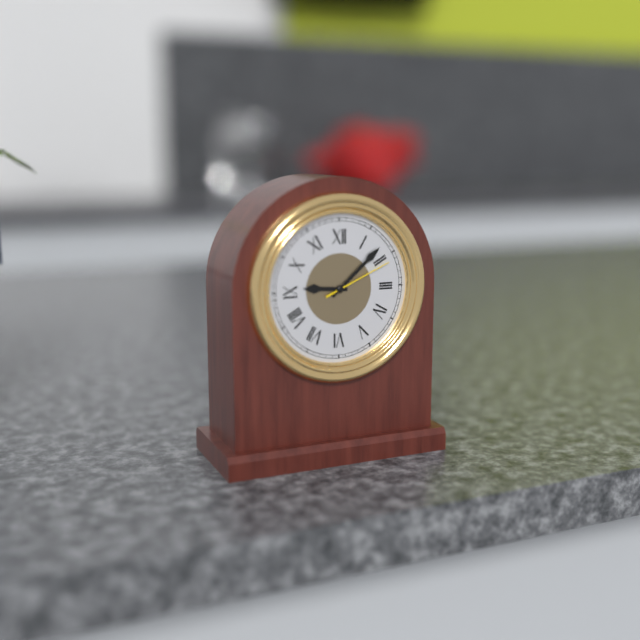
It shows 9h08m11s
